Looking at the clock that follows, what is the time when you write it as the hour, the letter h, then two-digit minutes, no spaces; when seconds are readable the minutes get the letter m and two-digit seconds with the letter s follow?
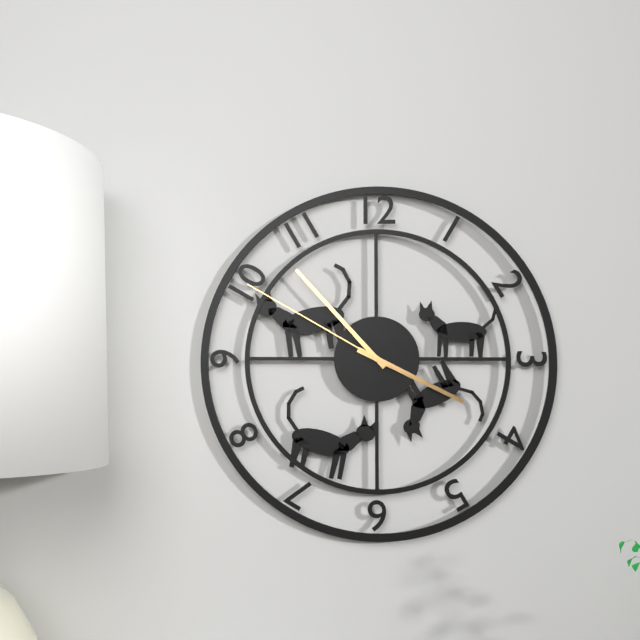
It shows 3h53m50s
